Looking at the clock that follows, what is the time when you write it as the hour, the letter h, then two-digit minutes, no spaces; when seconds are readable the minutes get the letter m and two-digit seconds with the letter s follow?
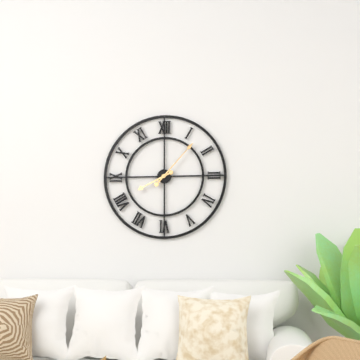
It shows 8h07
